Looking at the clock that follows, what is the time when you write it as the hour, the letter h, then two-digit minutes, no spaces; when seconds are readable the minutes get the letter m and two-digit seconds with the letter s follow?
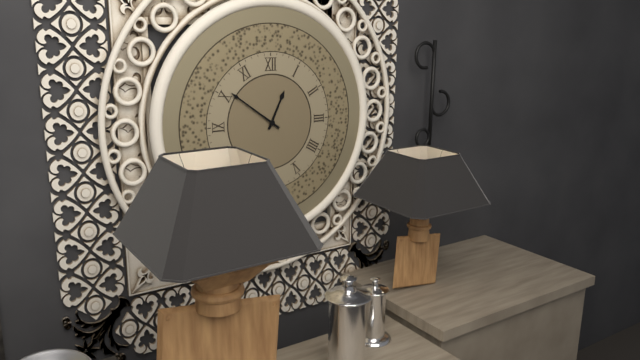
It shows 12h51
